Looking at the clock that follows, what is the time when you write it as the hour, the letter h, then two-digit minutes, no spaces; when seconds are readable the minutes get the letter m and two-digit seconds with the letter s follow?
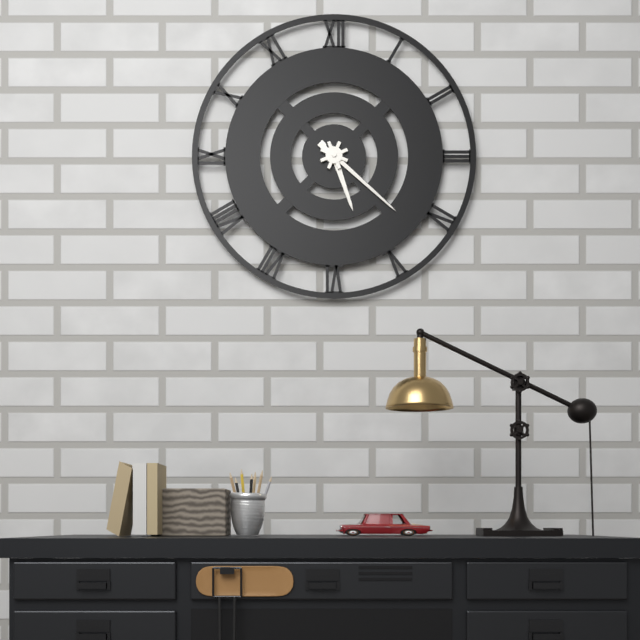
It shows 5h22
